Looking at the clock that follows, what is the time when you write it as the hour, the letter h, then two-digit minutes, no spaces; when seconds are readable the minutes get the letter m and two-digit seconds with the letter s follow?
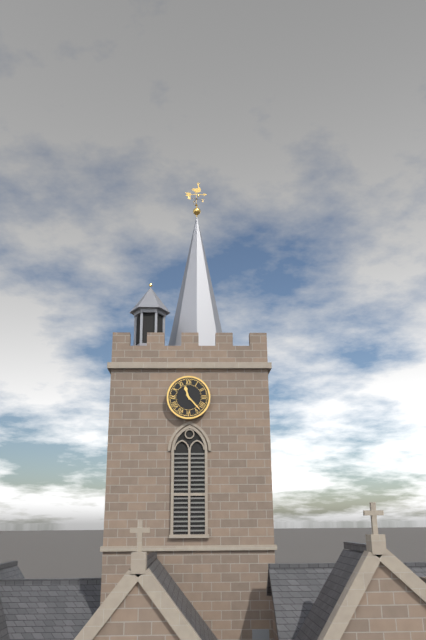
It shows 11h23
